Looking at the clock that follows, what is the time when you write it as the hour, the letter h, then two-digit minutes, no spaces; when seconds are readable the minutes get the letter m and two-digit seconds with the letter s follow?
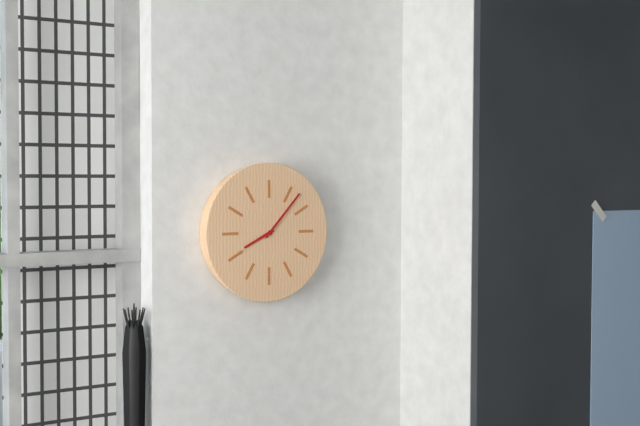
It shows 8h07
